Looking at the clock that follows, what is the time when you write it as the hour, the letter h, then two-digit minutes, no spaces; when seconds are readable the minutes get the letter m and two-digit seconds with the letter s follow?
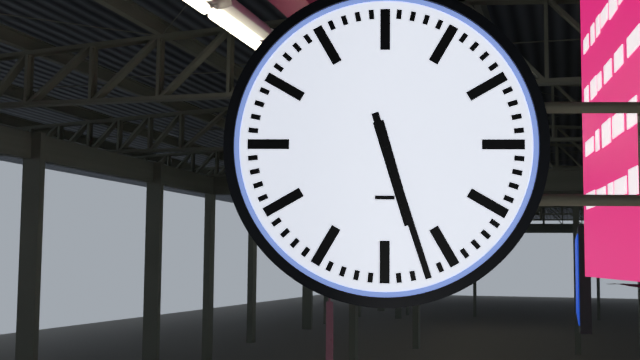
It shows 5h27
